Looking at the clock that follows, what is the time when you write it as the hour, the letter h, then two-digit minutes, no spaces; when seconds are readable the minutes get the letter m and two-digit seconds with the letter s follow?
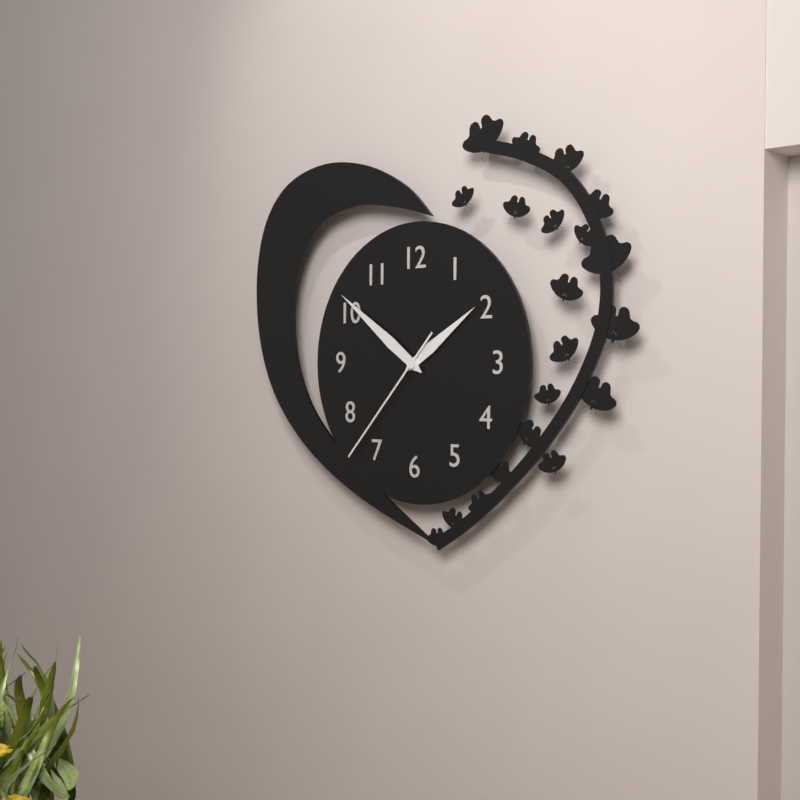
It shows 1h51m37s
